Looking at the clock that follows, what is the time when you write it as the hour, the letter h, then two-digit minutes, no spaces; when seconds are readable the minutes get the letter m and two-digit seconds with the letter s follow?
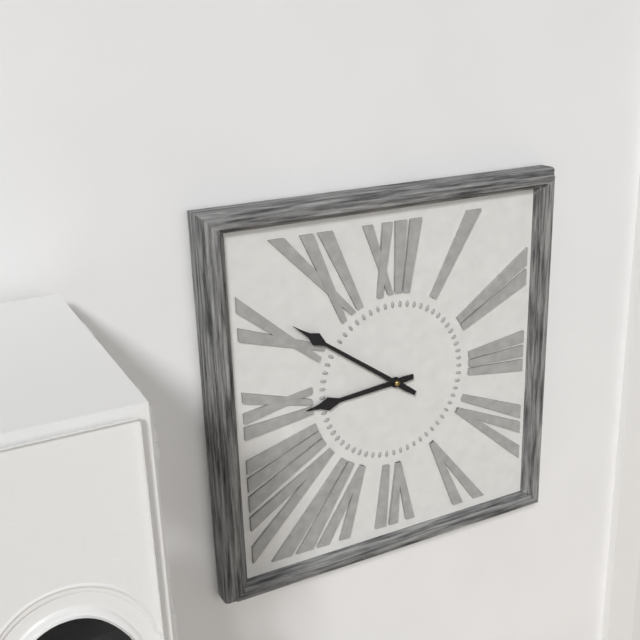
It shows 8h51
